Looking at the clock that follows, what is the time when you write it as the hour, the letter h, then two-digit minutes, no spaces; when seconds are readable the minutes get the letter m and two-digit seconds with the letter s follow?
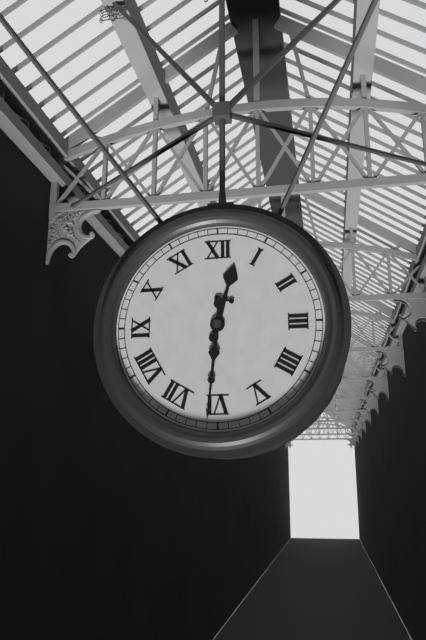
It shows 12h31
